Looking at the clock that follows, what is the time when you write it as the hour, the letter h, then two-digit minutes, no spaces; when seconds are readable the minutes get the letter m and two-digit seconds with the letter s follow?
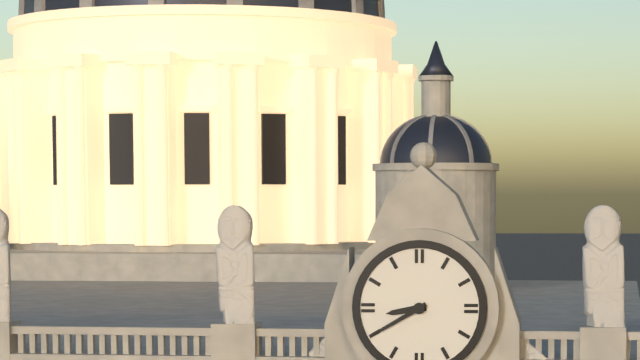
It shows 8h40
